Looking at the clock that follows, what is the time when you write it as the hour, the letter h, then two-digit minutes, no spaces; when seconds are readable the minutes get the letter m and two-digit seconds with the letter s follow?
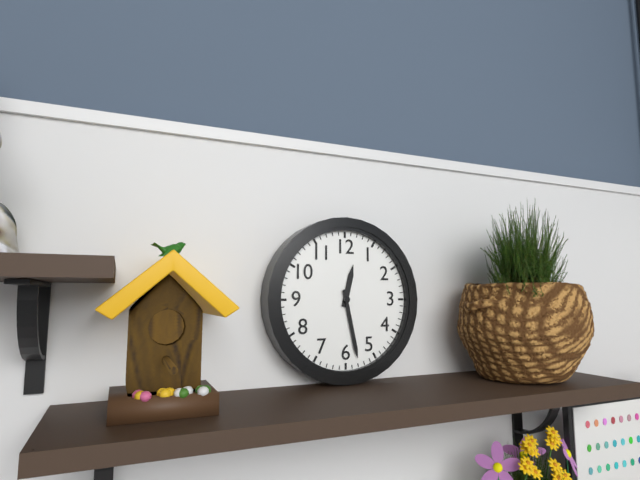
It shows 12h28
